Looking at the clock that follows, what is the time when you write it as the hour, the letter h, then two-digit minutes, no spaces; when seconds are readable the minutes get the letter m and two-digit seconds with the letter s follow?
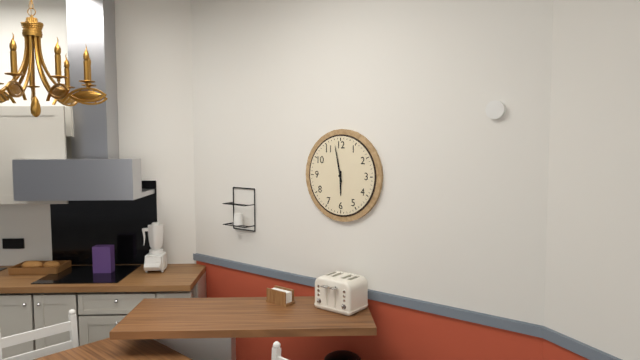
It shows 5h58
